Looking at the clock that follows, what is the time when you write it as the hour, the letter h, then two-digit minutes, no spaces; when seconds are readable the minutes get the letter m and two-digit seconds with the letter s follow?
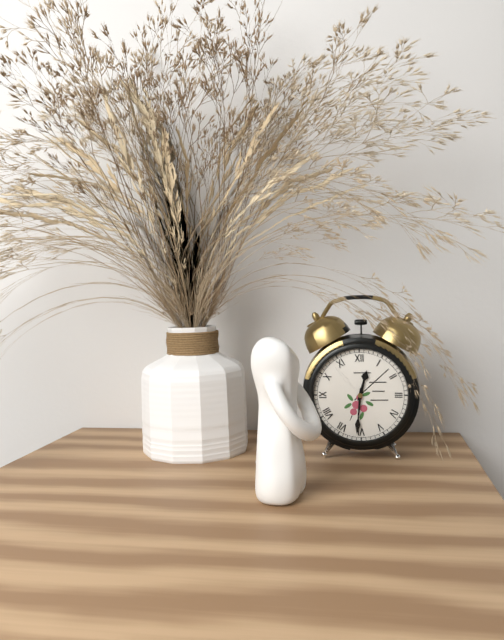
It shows 12h31
